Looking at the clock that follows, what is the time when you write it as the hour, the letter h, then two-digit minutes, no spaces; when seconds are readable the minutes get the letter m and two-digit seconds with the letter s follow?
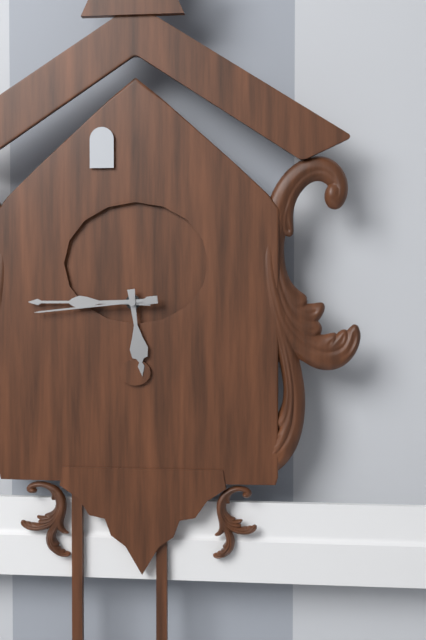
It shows 5h45m44s
